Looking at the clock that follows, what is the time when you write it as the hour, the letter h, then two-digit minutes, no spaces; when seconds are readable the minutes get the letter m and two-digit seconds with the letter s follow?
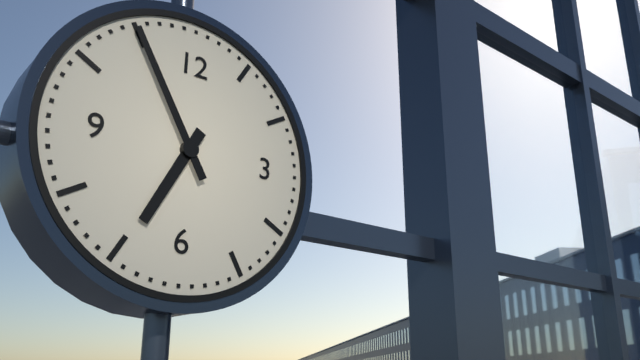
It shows 6h55
